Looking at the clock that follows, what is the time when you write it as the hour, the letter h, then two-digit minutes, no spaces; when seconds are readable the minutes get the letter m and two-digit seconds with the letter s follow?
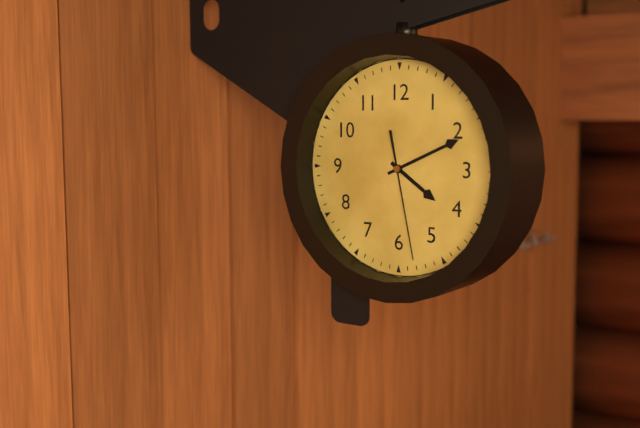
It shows 4h11m28s
